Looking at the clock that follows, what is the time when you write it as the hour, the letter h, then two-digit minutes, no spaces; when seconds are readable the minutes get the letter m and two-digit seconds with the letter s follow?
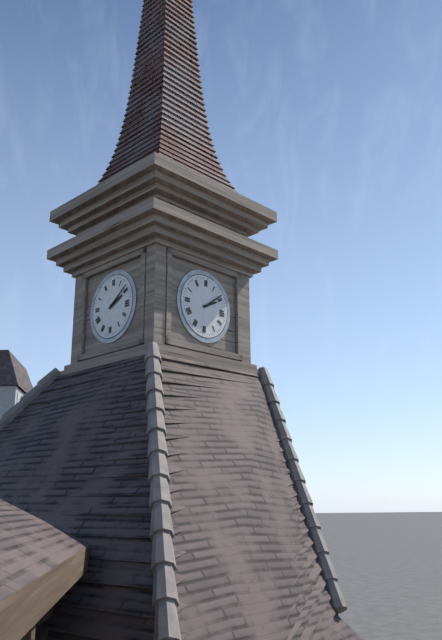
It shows 2h09
